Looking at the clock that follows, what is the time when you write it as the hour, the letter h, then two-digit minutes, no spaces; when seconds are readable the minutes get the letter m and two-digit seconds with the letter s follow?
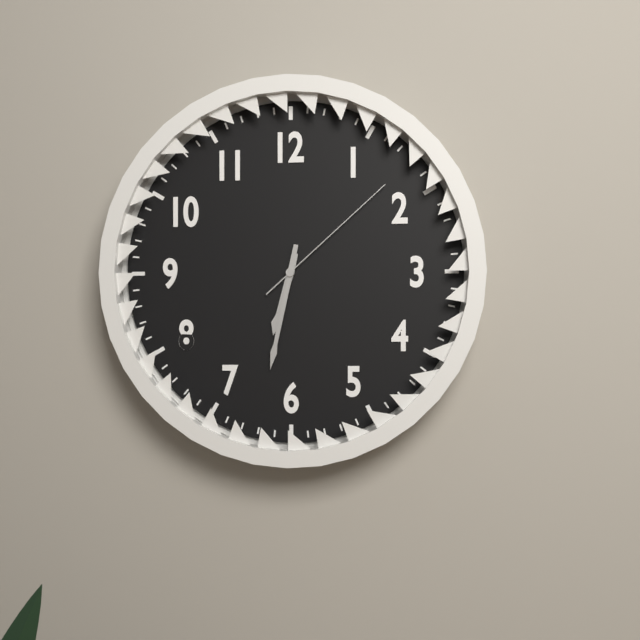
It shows 6h32m08s
